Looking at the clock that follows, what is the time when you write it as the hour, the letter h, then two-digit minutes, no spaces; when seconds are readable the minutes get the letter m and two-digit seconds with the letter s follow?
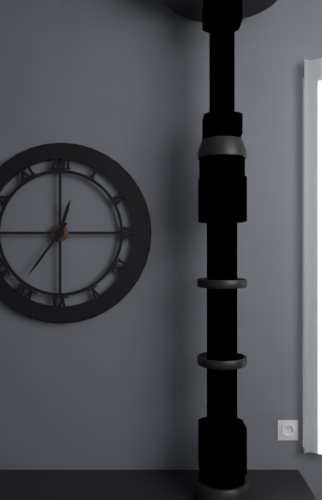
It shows 12h36
